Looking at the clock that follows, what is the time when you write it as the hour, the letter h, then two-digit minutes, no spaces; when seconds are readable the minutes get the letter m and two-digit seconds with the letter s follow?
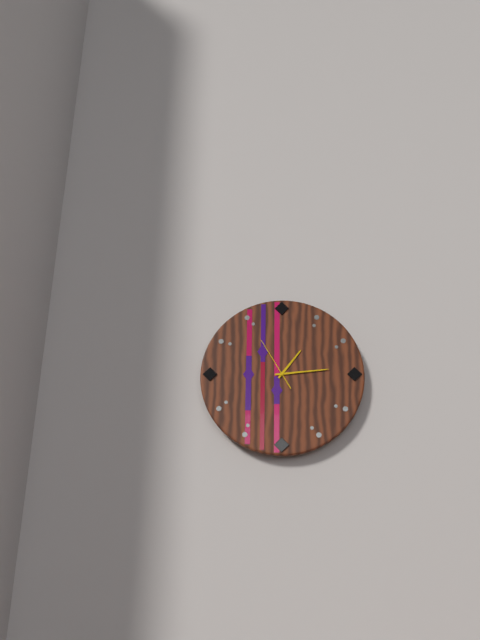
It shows 1h14m55s
